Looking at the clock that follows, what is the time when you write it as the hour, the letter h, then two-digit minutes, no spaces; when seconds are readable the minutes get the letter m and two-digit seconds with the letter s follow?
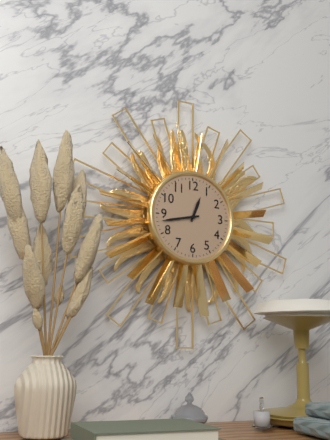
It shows 12h43
